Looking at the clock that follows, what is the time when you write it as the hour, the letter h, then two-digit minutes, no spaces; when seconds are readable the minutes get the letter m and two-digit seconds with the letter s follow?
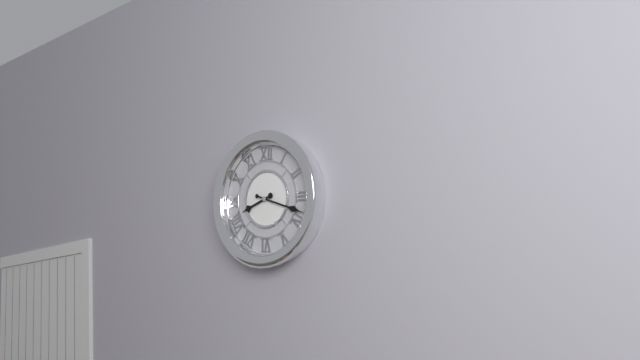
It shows 8h18
